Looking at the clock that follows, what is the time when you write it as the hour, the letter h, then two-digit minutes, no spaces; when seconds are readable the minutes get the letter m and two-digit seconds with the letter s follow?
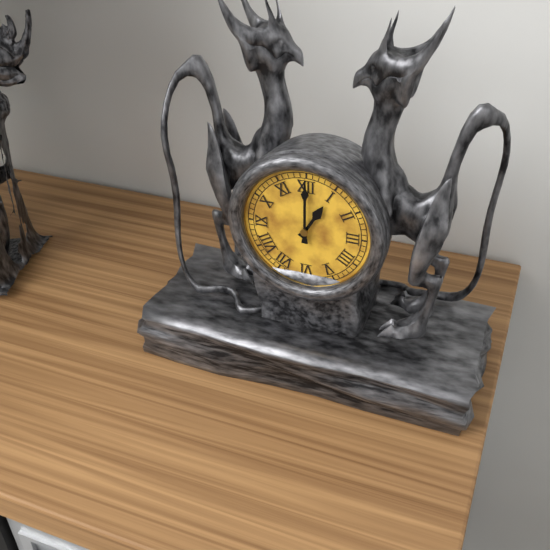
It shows 1h00
